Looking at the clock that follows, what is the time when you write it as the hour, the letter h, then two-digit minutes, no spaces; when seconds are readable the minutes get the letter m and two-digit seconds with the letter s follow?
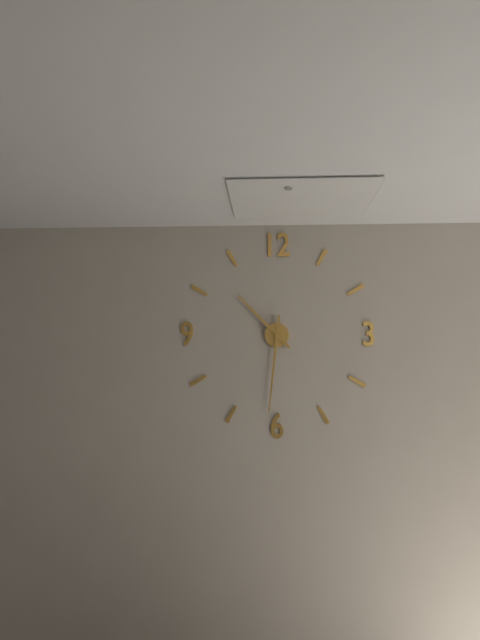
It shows 10h31
